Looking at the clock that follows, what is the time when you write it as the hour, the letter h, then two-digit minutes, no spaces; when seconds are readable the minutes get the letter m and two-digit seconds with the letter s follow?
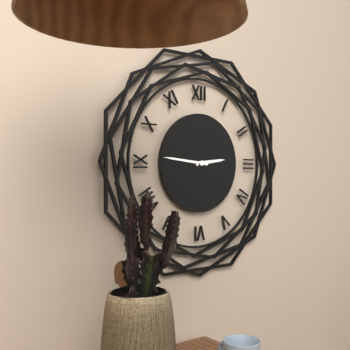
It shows 2h46
